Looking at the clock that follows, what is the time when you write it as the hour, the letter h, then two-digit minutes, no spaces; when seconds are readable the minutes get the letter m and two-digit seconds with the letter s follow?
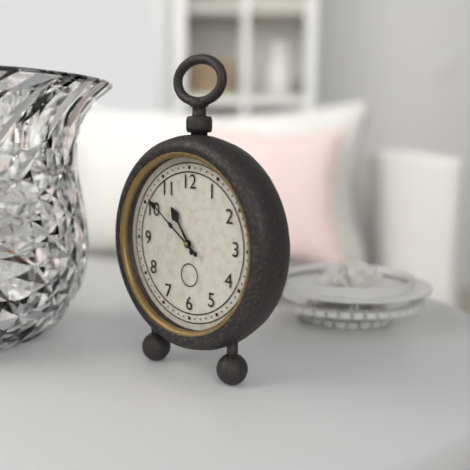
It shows 10h51
